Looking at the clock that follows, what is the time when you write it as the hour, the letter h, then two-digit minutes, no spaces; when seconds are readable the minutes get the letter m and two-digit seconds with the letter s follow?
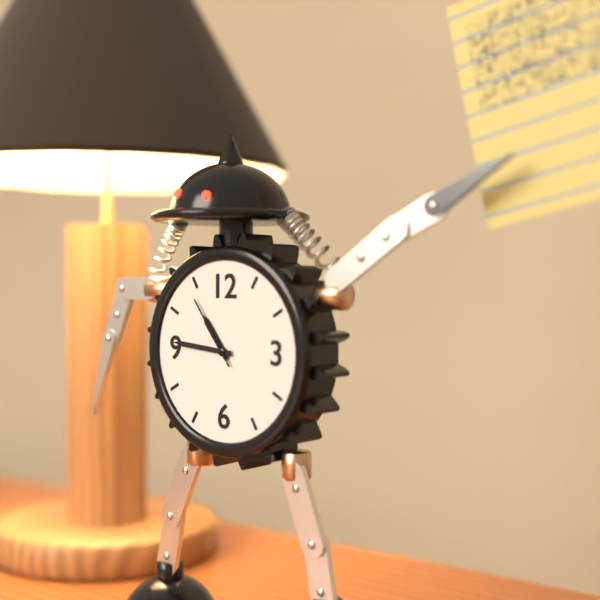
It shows 10h46m54s
